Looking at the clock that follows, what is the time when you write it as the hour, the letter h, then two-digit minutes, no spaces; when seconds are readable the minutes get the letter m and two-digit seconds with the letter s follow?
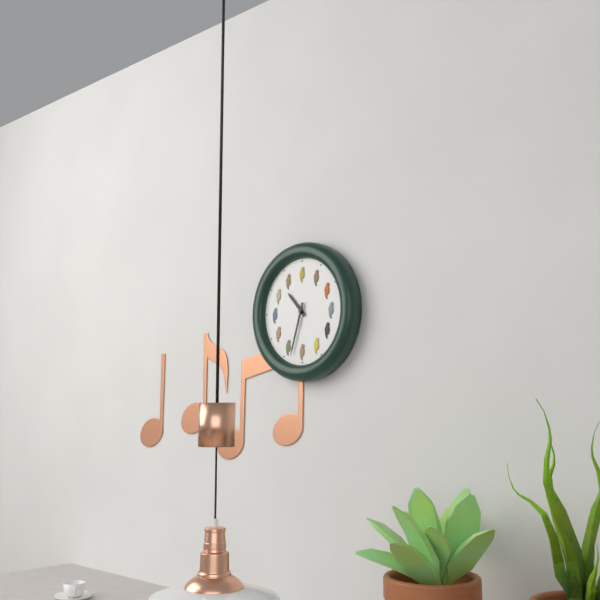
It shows 10h33
